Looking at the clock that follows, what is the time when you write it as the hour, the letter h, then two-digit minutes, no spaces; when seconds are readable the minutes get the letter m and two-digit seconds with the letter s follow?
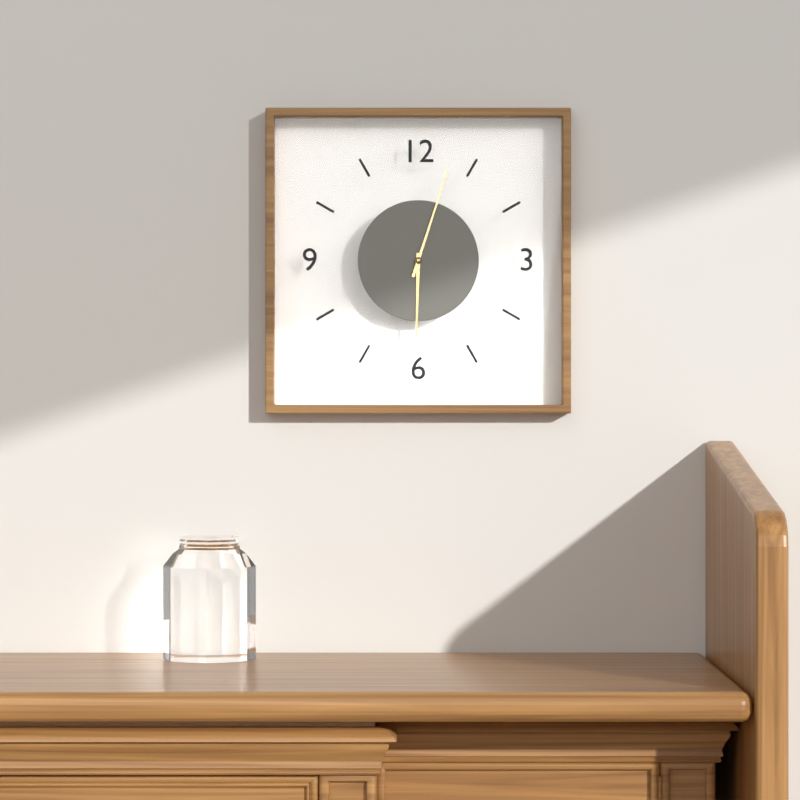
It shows 6h03
